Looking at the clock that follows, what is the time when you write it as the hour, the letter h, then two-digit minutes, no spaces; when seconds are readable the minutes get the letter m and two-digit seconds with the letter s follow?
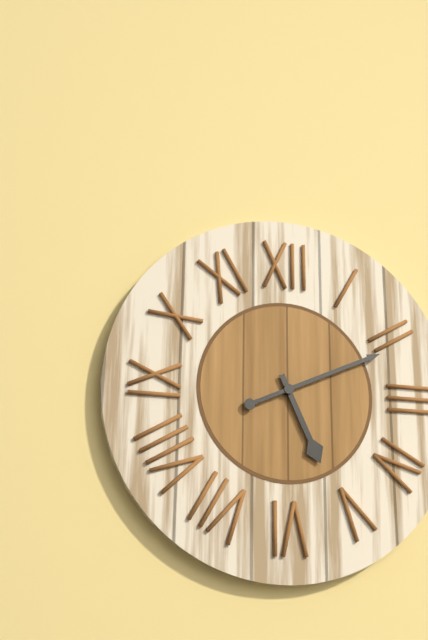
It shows 5h11
